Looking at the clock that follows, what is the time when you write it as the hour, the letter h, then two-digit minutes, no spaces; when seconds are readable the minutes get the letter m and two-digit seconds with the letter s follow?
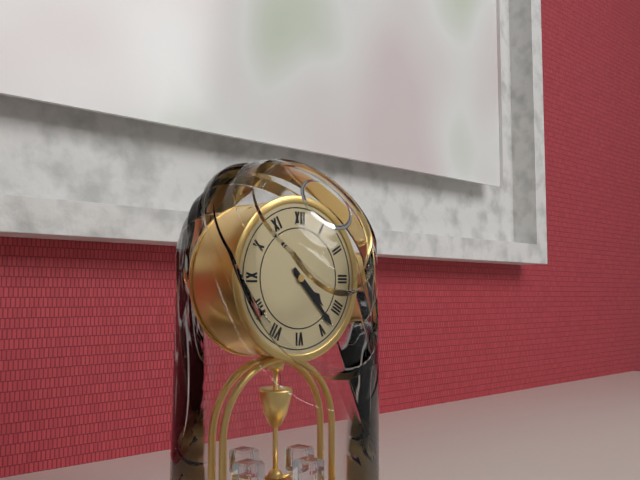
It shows 4h23
